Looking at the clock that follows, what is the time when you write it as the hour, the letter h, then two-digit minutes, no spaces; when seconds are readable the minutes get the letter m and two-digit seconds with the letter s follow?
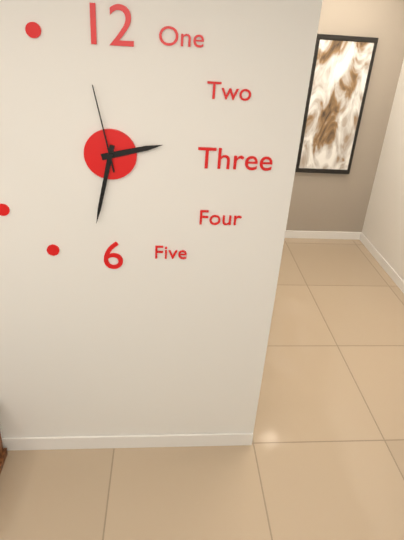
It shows 2h32m58s
